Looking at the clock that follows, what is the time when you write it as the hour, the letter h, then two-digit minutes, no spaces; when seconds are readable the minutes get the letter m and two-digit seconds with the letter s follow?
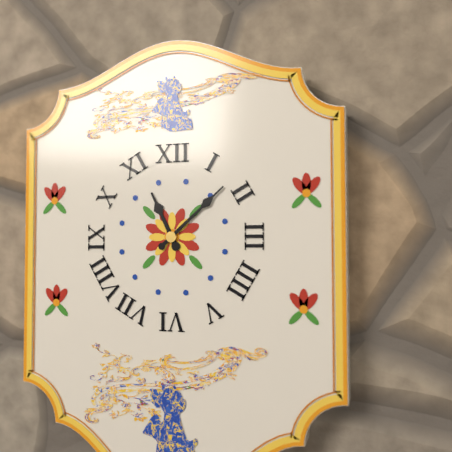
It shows 11h08
